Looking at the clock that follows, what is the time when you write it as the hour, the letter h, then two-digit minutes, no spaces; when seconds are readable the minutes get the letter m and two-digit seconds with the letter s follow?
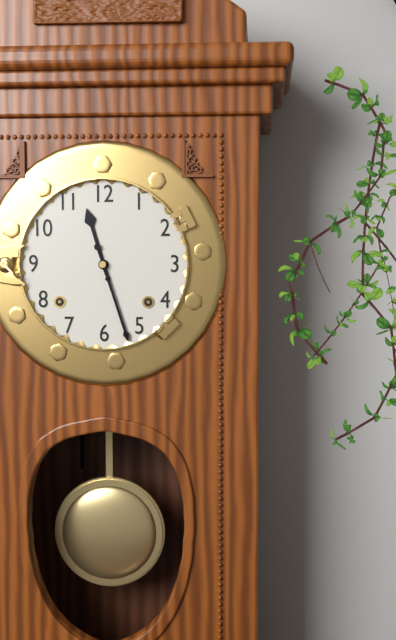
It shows 11h27
